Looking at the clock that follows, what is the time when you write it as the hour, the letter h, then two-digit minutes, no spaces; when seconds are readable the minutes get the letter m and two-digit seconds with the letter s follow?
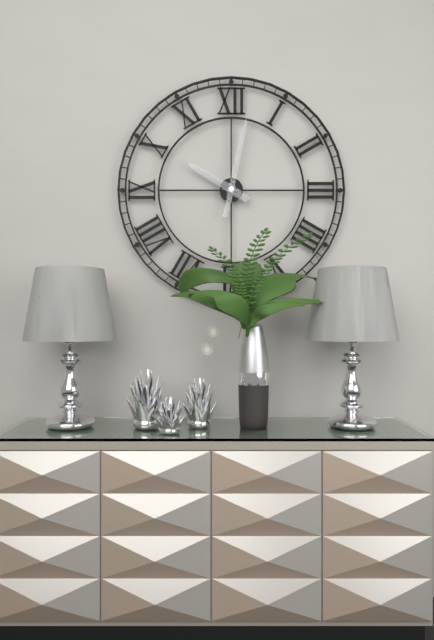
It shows 10h02
